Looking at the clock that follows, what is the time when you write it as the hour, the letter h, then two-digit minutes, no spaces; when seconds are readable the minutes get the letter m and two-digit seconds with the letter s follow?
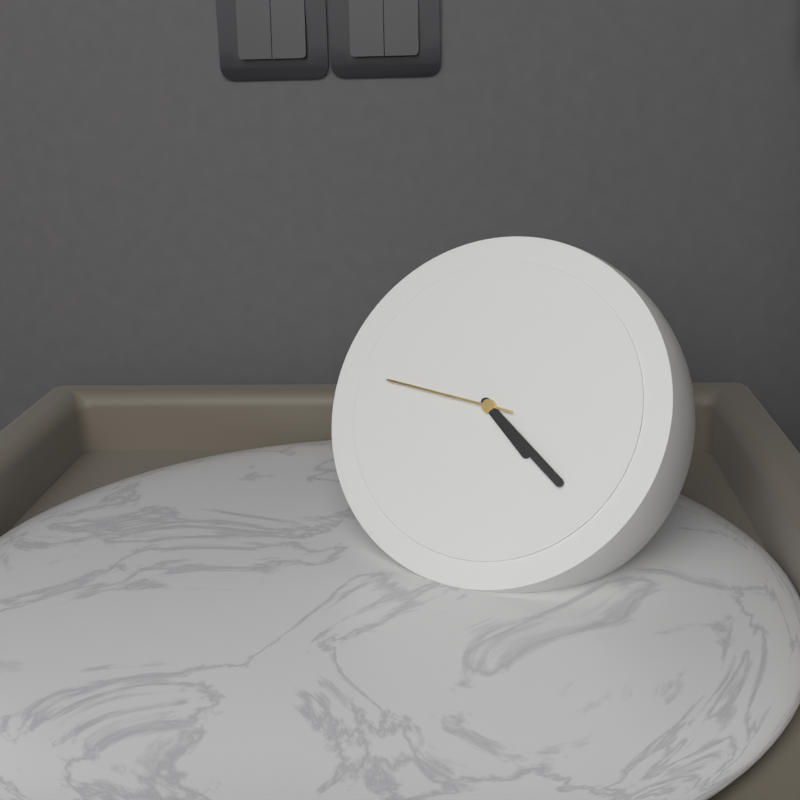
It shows 4h21m46s
